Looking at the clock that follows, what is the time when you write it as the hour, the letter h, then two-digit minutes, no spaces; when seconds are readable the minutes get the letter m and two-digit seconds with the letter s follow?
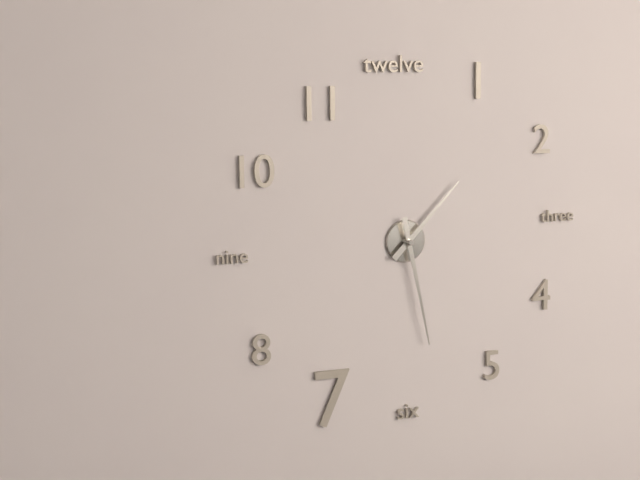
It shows 1h28
